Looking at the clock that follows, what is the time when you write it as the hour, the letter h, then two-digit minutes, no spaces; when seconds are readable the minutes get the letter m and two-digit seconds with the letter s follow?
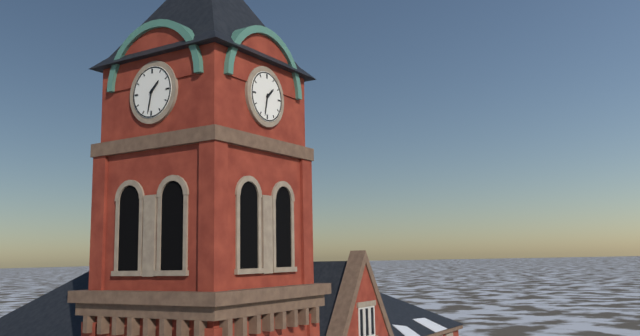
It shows 1h32
